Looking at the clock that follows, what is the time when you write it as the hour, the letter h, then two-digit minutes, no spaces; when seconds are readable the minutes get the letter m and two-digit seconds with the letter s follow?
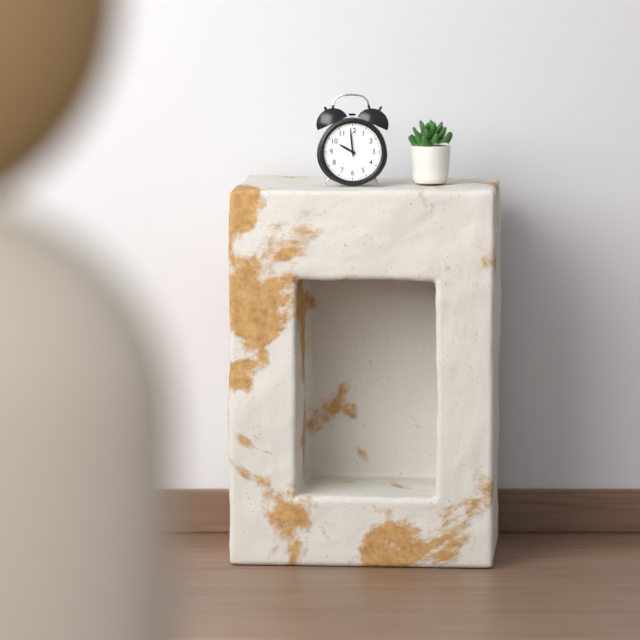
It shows 9h59
